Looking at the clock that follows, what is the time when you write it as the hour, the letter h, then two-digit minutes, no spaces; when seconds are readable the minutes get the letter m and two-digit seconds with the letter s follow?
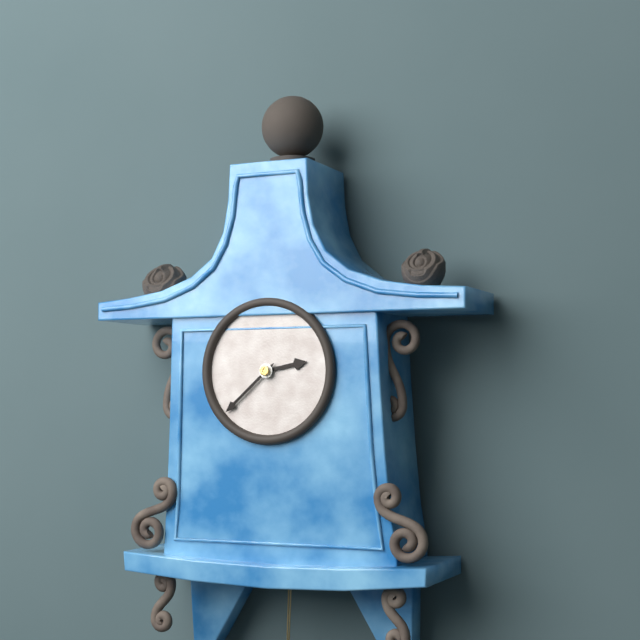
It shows 2h38
